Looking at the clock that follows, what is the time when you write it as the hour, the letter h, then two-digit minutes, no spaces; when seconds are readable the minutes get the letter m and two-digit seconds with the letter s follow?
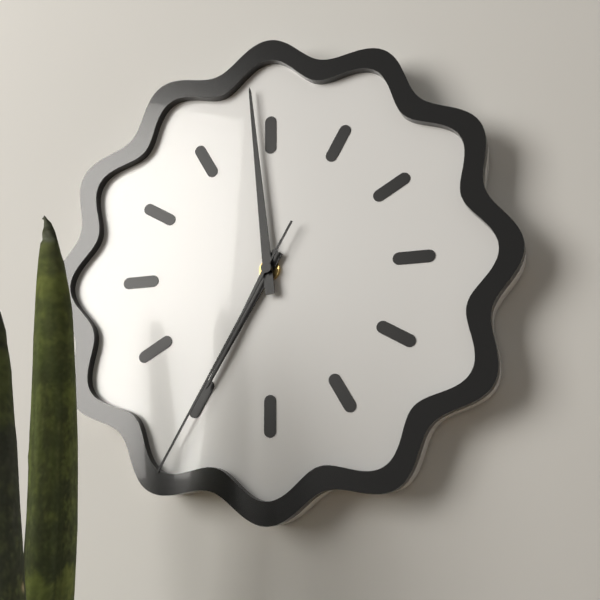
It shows 6h59m35s
